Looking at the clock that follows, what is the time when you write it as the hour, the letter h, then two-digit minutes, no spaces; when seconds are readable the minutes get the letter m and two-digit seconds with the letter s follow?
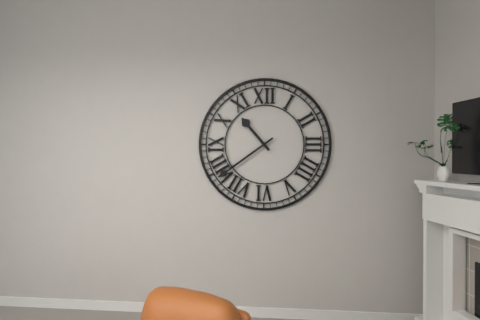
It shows 10h39
